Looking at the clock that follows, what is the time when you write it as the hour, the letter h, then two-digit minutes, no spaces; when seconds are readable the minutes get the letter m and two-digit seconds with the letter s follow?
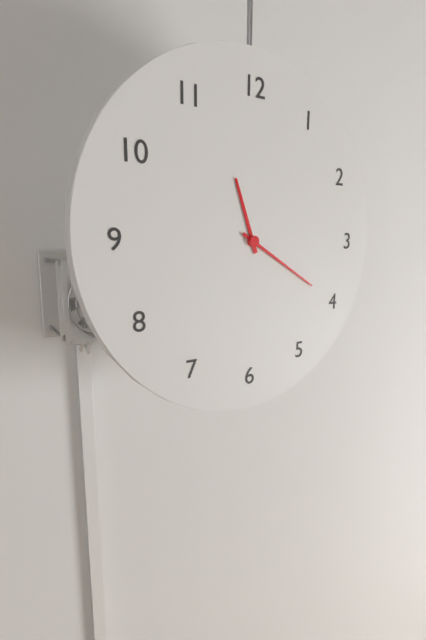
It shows 11h20
